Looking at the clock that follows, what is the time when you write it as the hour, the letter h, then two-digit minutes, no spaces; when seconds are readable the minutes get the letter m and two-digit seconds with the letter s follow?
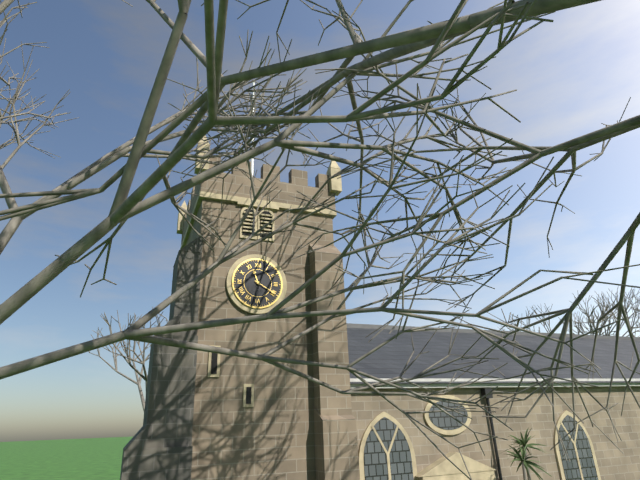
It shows 11h20
